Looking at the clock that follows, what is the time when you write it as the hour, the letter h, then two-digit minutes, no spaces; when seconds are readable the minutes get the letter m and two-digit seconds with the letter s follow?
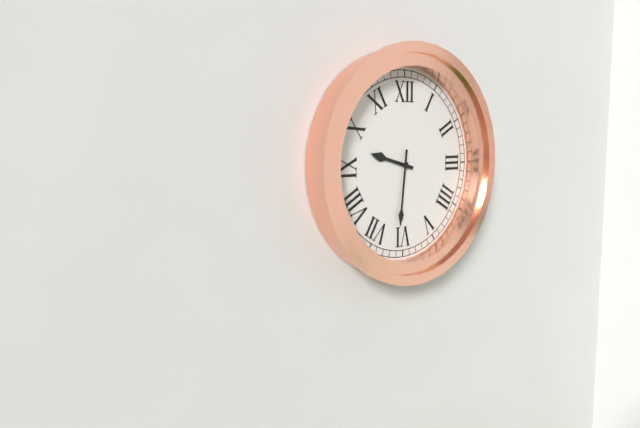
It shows 9h31
